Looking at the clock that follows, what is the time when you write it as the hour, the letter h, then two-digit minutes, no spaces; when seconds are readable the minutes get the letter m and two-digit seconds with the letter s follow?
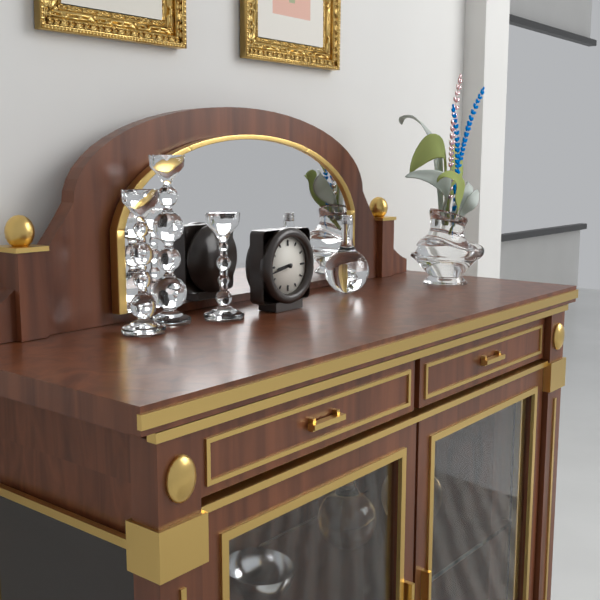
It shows 8h43
